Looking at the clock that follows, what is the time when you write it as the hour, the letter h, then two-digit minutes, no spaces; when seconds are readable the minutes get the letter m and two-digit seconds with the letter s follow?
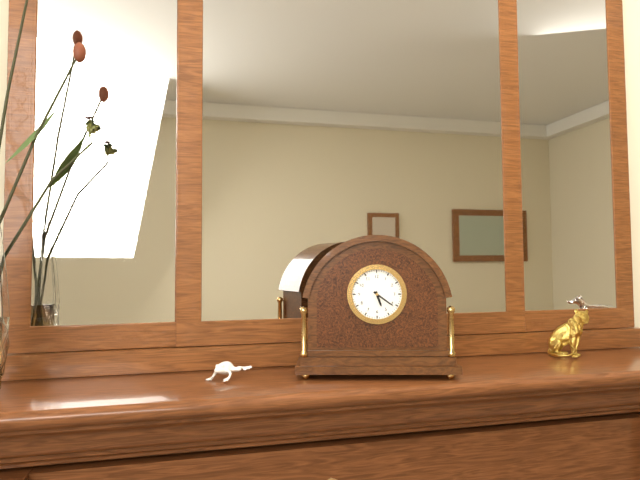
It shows 5h21
